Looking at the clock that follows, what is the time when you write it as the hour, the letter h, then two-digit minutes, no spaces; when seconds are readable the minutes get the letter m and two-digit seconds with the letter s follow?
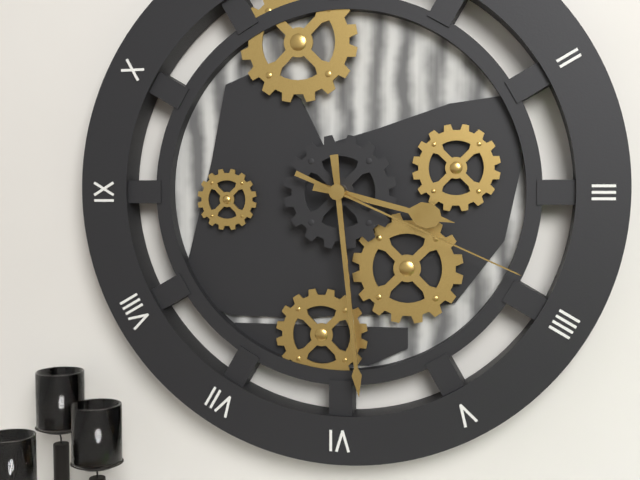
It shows 3h29m19s
